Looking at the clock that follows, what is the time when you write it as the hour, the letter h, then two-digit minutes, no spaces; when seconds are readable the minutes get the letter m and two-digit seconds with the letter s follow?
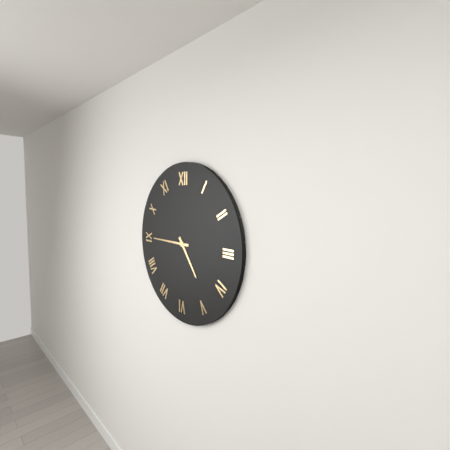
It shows 4h45
